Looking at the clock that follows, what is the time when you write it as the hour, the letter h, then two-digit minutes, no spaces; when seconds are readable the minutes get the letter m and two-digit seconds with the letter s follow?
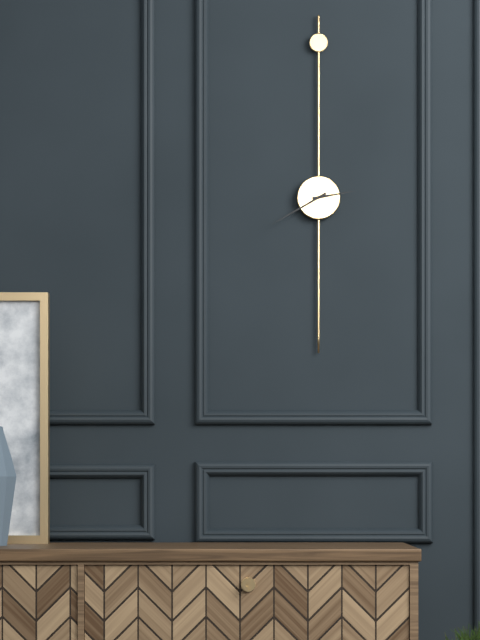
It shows 2h40
